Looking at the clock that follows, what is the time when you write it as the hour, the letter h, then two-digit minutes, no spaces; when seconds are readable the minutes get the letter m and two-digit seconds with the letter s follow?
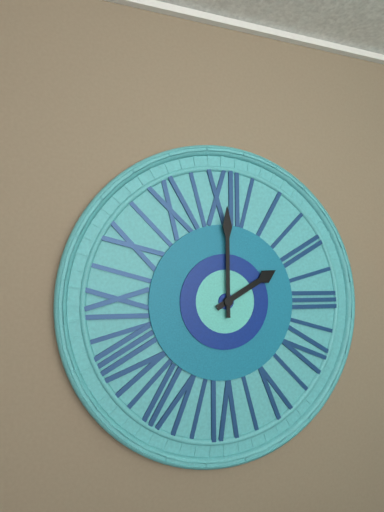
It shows 2h00
